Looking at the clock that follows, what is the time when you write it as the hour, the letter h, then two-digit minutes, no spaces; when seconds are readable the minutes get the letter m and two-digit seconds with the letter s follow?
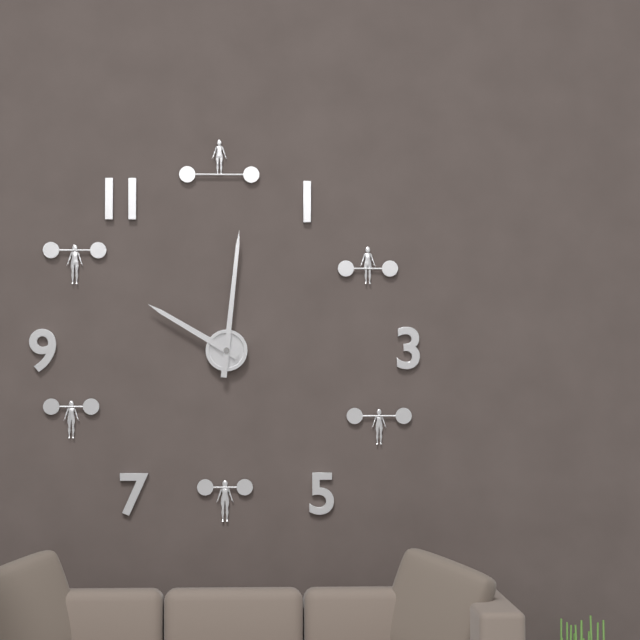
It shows 10h01
